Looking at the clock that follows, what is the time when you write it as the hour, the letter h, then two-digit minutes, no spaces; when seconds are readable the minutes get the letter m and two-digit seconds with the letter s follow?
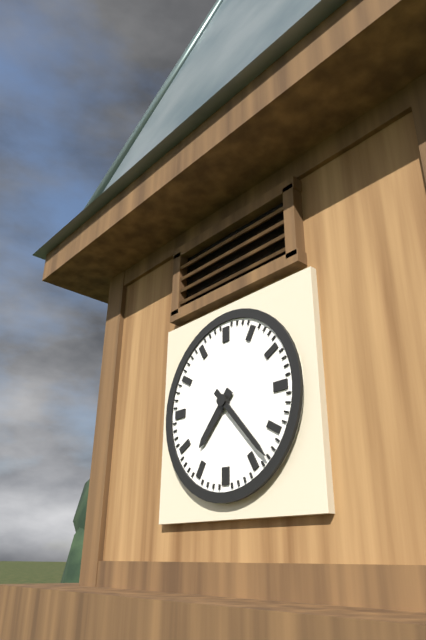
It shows 7h23
